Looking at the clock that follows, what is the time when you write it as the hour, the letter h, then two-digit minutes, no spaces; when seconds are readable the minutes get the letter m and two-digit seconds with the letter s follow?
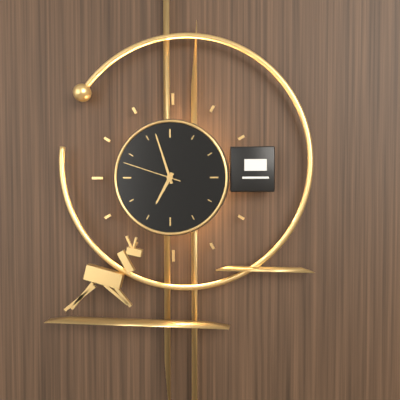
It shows 6h57m48s
